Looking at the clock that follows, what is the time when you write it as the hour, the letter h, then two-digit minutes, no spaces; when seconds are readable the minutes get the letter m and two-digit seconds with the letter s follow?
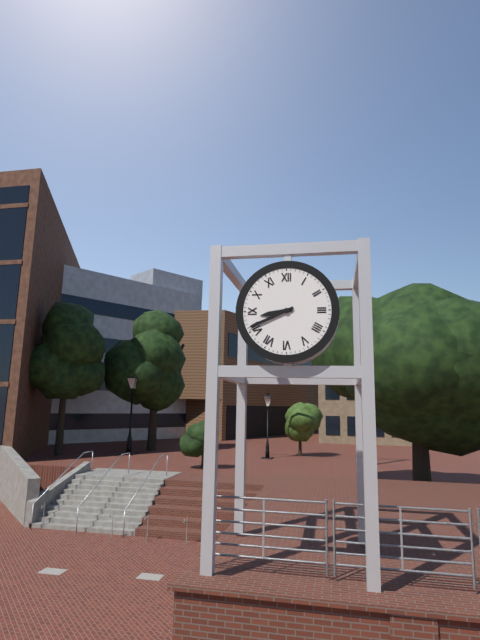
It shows 8h41
